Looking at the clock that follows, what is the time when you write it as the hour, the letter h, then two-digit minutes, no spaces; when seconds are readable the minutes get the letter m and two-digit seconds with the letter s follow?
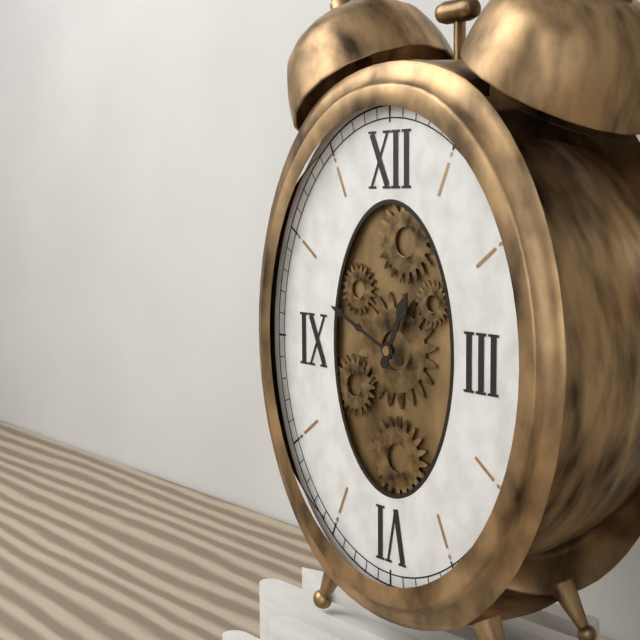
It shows 12h49
